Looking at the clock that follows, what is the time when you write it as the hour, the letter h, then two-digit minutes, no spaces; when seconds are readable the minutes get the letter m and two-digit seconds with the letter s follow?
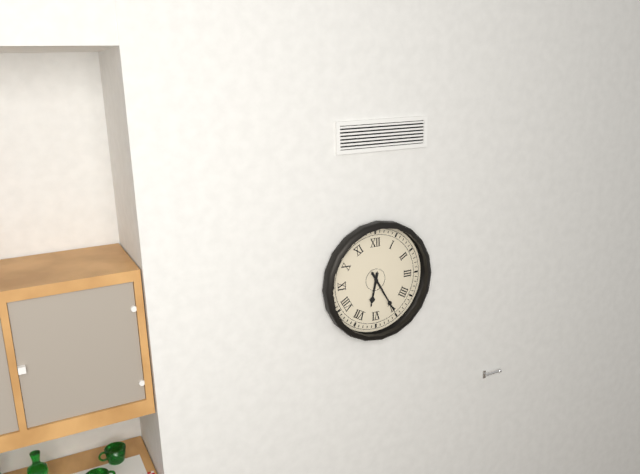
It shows 6h25
